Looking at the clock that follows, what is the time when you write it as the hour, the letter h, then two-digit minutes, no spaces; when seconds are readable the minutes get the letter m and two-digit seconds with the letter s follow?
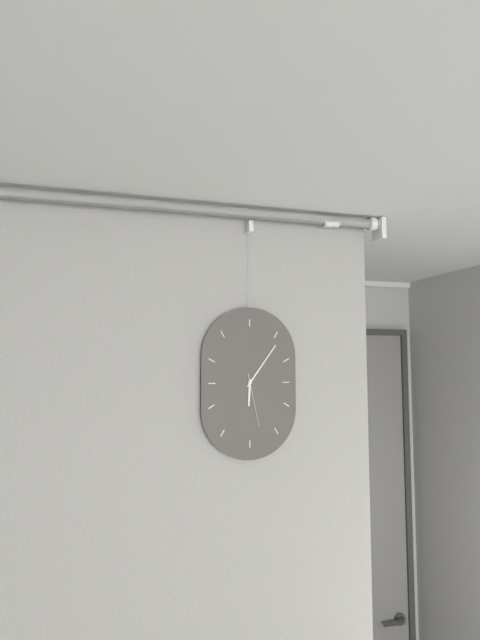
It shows 6h06m28s
